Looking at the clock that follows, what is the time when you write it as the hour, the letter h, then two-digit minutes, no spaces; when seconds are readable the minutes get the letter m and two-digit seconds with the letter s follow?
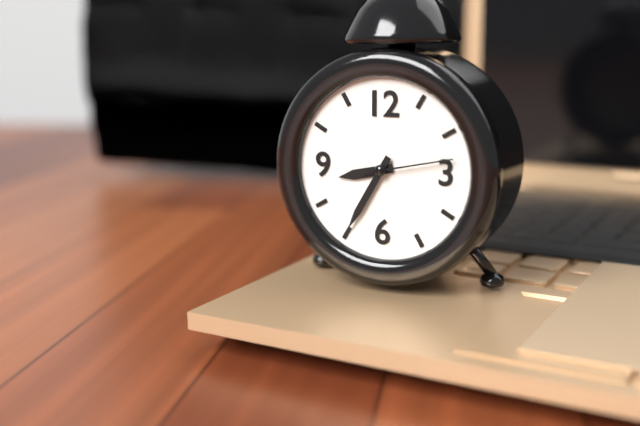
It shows 8h35m13s
